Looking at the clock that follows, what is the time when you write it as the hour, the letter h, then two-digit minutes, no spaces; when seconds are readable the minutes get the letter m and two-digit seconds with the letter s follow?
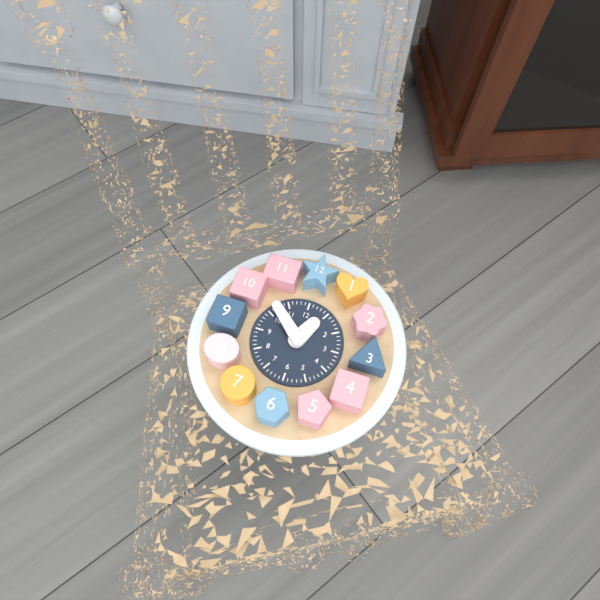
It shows 12h52
